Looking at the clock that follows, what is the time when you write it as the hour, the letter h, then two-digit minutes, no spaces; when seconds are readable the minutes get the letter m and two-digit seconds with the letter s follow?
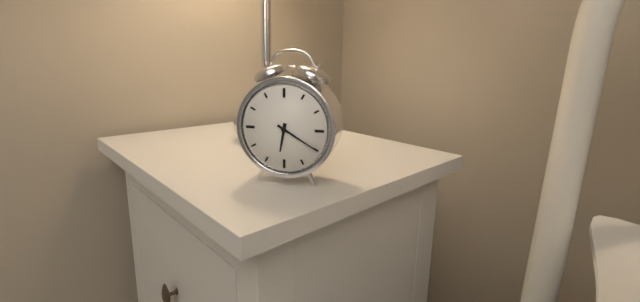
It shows 6h20
